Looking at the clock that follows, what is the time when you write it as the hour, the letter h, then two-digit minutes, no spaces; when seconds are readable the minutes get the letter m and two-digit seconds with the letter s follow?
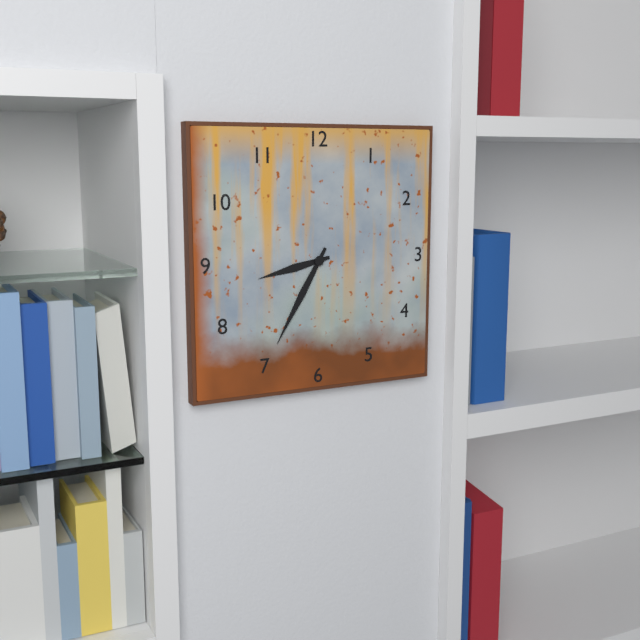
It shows 8h35
